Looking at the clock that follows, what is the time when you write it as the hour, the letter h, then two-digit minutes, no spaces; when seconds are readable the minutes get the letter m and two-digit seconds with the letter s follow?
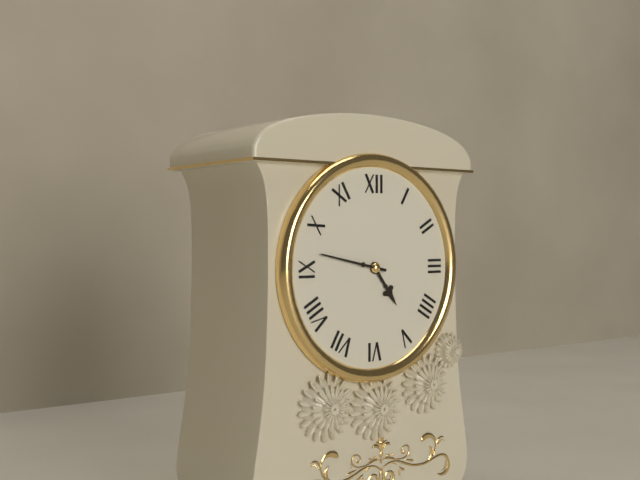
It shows 4h47
